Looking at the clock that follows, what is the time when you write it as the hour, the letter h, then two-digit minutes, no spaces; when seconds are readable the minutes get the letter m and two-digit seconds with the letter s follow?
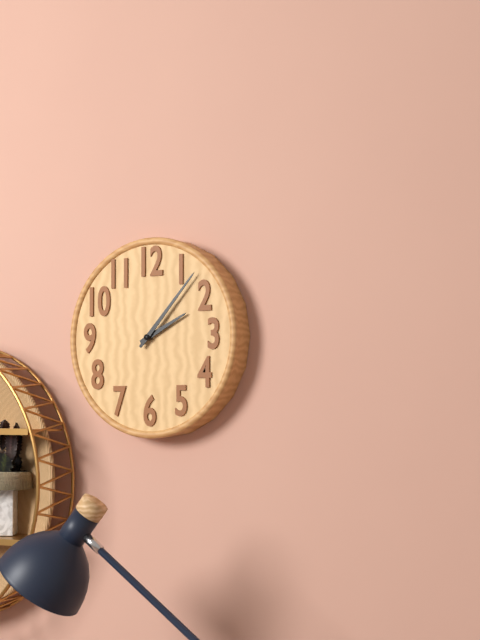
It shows 2h07
